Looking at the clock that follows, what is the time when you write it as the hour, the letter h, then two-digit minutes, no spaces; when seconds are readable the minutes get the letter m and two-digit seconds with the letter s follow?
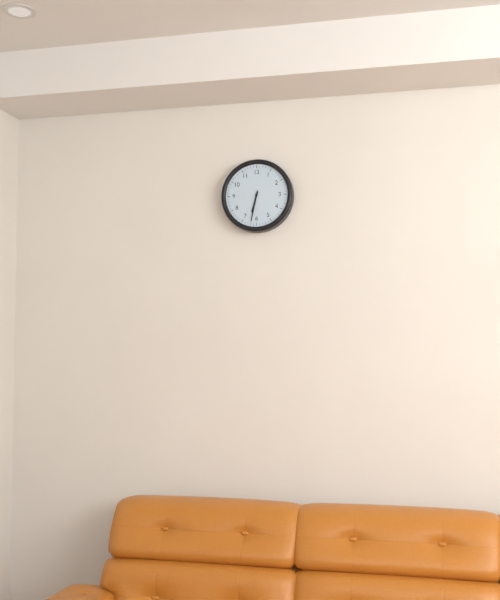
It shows 6h32
